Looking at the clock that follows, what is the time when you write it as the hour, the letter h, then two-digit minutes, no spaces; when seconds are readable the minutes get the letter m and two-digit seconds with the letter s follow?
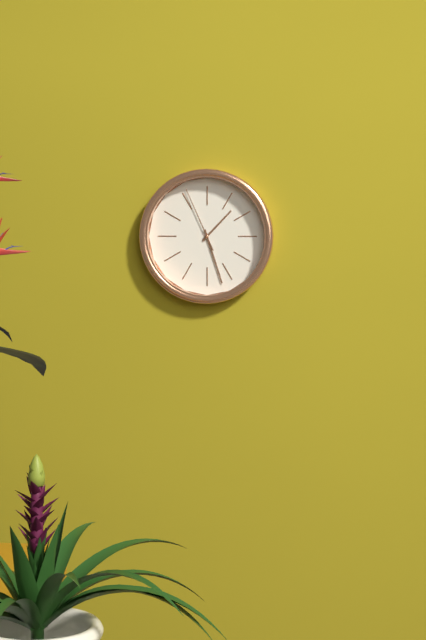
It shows 1h27m56s
